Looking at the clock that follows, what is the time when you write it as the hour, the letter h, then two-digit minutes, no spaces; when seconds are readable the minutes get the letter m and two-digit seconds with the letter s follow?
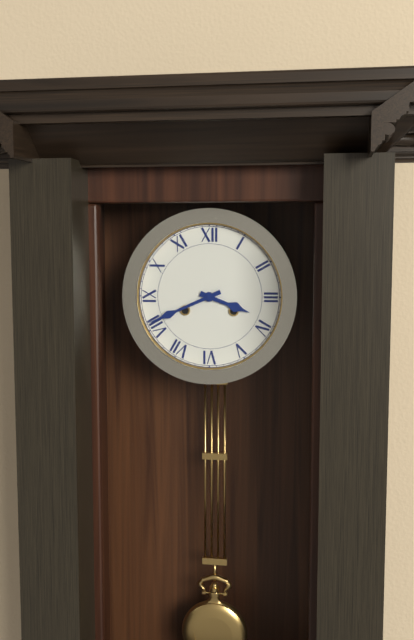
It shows 3h41
